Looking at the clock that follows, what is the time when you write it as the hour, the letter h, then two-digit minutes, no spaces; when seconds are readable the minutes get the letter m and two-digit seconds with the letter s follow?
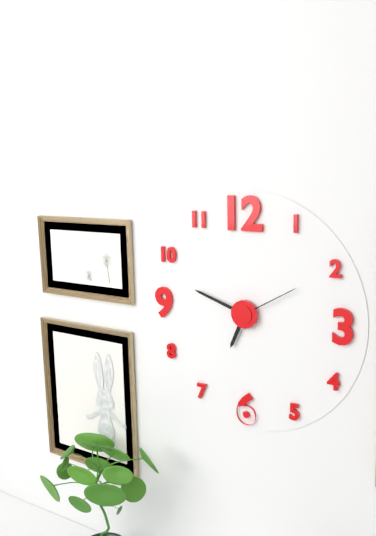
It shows 6h48m10s
